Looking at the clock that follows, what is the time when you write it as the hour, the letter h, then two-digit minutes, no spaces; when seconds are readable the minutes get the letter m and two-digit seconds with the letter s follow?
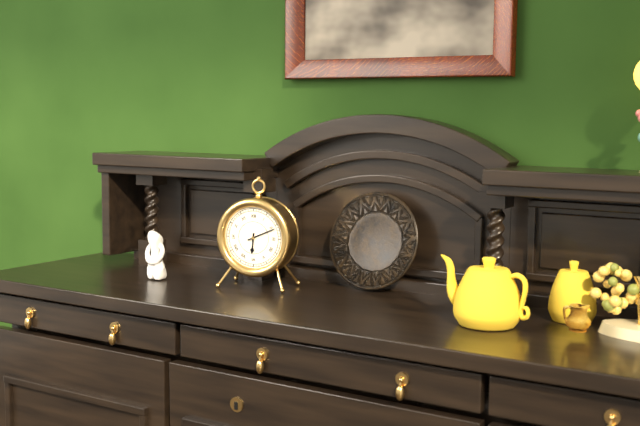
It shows 6h11
